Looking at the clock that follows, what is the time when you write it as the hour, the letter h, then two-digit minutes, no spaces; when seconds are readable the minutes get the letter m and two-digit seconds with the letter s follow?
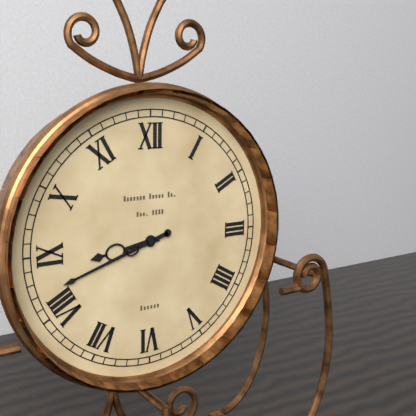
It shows 8h42
